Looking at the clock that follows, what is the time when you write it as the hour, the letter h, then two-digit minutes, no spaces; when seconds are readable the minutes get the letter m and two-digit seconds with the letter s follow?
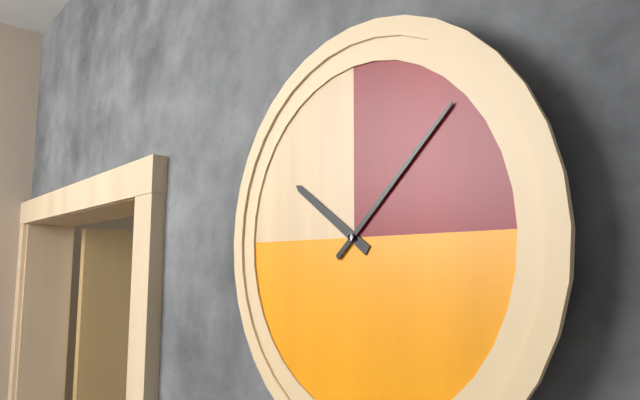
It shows 10h08
